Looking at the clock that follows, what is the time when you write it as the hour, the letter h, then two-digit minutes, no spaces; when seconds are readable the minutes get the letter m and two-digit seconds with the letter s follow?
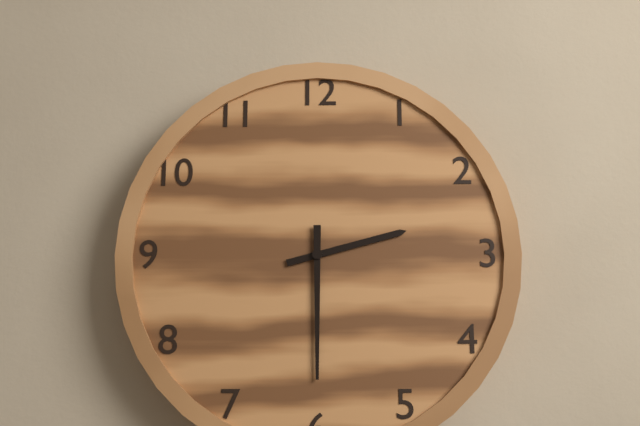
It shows 2h30
